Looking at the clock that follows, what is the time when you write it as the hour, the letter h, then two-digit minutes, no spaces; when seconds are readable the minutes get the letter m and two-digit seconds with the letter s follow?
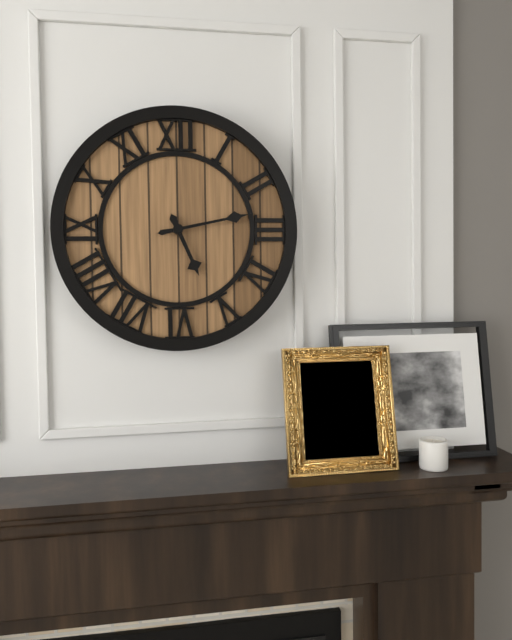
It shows 5h13
